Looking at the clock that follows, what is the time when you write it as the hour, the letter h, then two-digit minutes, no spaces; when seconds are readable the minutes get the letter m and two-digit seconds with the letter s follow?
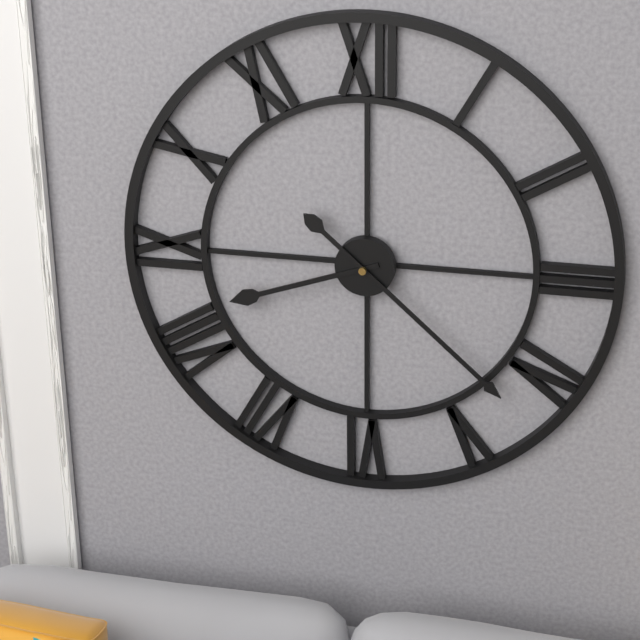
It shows 8h22
